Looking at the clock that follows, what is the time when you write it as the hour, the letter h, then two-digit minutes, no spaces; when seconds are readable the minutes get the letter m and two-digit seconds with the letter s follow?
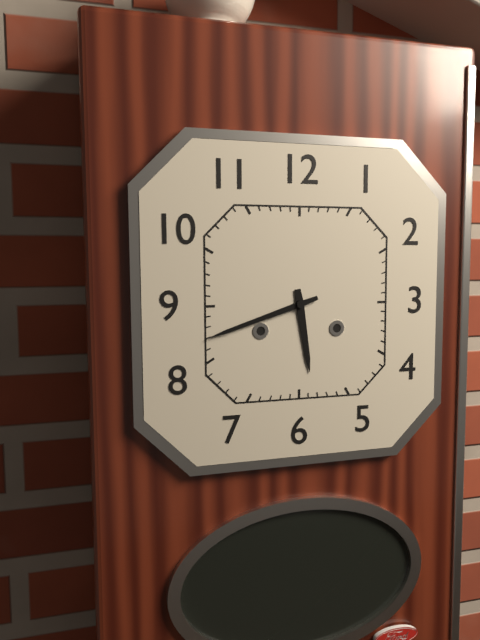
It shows 5h42
